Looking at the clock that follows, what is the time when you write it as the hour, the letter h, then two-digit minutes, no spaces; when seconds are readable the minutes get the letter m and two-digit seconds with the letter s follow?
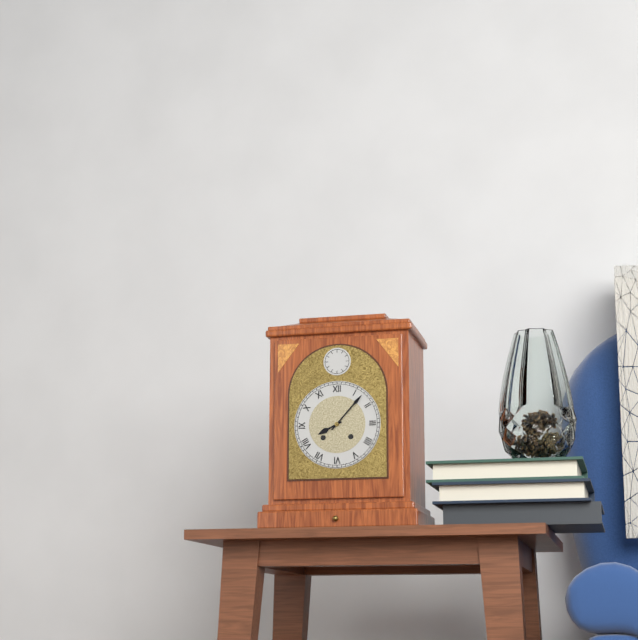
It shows 8h07
